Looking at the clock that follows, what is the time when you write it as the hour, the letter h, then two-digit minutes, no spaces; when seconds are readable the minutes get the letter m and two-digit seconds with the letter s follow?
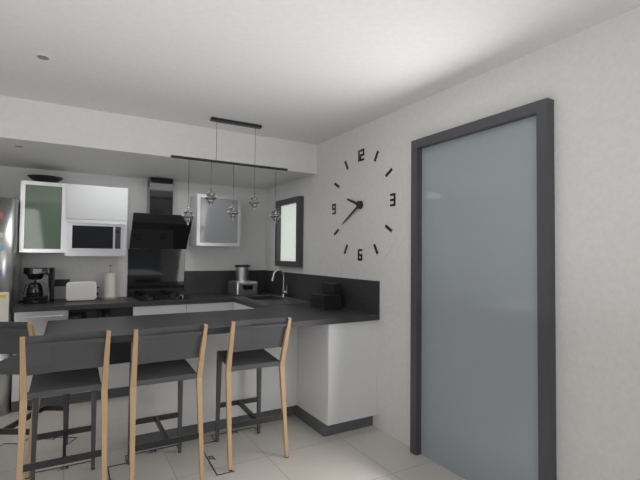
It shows 9h40
